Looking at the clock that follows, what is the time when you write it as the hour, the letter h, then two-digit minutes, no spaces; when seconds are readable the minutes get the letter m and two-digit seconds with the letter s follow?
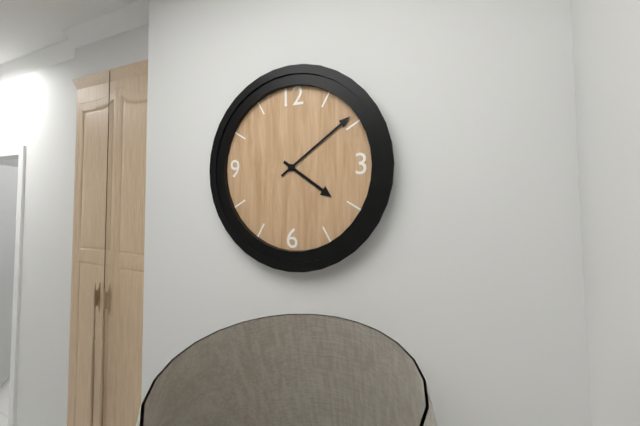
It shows 4h09
